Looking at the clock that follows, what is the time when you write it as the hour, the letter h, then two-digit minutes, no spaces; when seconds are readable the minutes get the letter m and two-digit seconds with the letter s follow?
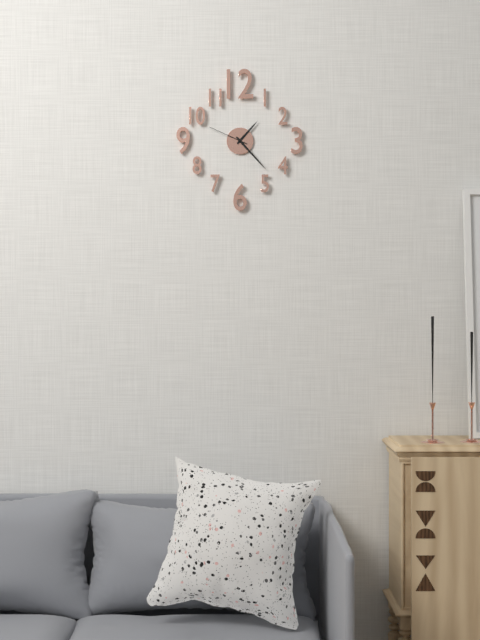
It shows 1h23
